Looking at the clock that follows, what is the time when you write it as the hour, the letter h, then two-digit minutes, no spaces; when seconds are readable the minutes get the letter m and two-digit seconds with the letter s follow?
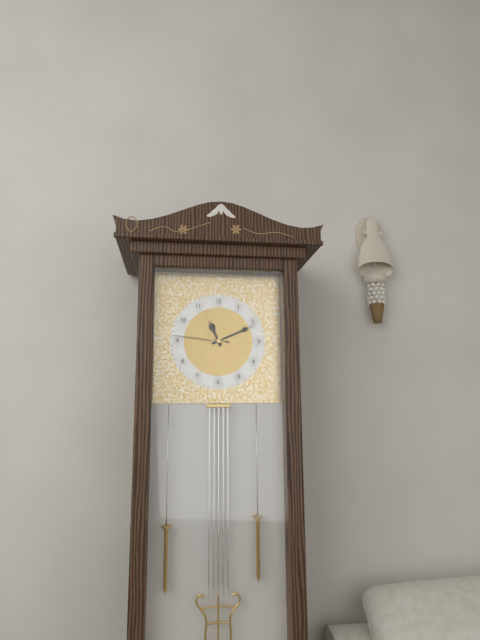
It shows 11h11m46s
